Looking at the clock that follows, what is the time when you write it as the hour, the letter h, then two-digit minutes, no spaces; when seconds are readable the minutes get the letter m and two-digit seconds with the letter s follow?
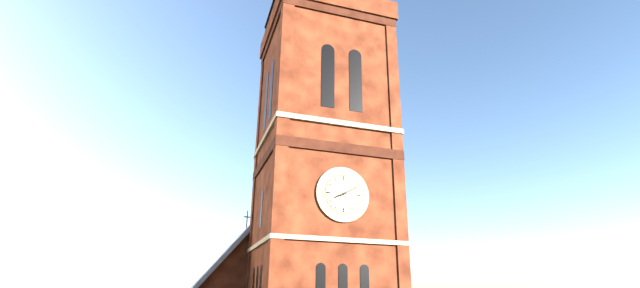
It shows 8h10
